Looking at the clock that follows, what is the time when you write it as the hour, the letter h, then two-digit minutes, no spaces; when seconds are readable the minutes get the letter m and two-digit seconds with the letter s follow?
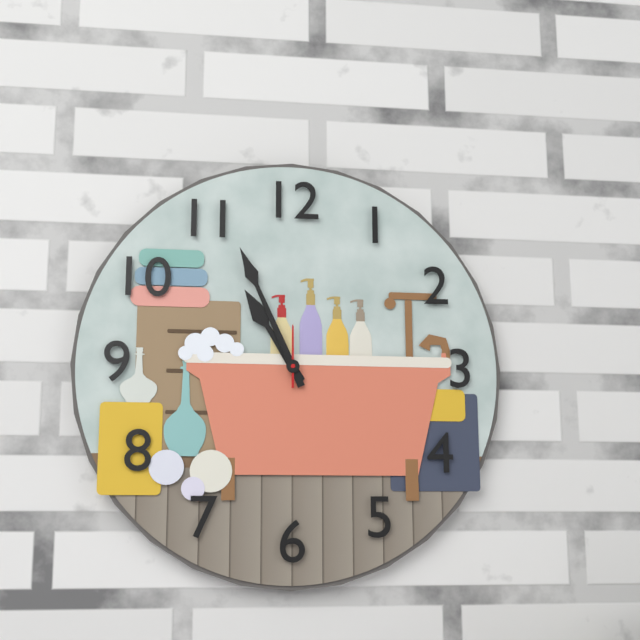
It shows 10h56m00s
